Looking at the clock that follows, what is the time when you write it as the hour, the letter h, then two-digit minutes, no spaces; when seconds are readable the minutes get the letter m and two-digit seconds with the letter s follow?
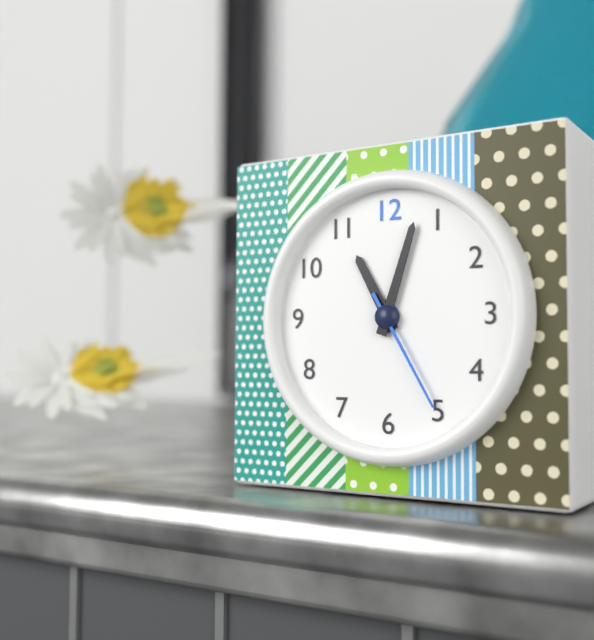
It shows 11h03m25s
